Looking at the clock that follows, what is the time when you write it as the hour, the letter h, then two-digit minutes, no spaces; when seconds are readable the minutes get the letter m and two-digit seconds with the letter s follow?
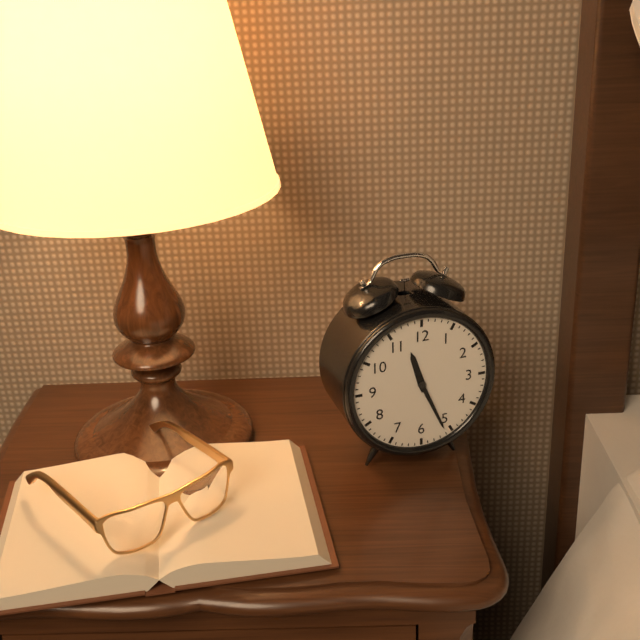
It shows 11h26
